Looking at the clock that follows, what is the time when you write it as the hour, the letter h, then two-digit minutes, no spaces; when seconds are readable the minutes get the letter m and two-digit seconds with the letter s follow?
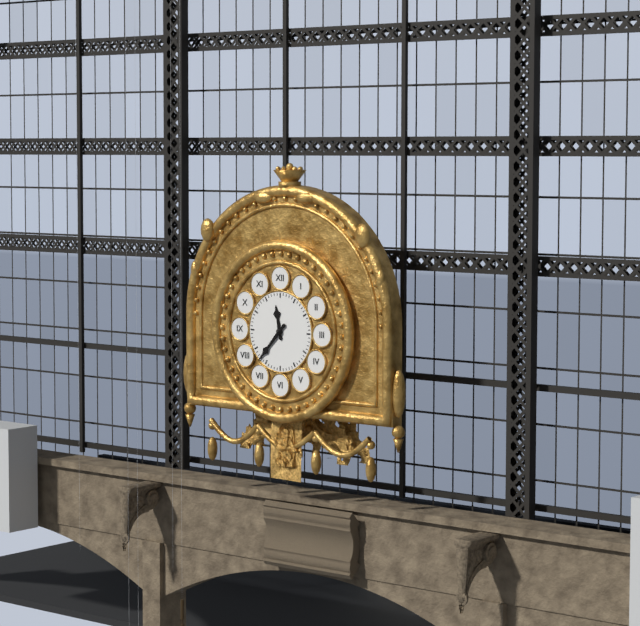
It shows 11h37
